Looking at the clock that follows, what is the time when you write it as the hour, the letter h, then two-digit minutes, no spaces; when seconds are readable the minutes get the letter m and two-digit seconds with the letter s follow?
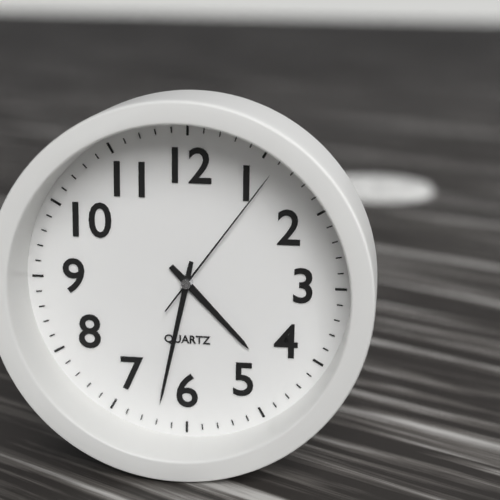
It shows 4h32m06s
